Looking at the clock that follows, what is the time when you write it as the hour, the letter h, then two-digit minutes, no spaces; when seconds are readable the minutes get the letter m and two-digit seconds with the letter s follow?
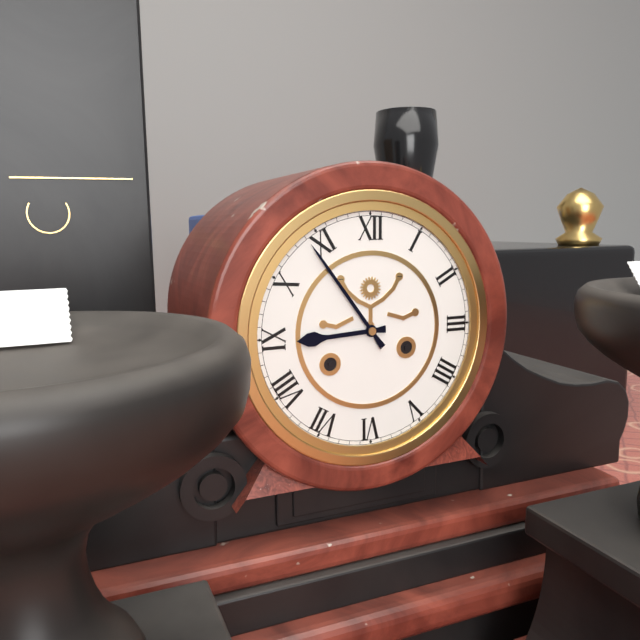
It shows 8h54
